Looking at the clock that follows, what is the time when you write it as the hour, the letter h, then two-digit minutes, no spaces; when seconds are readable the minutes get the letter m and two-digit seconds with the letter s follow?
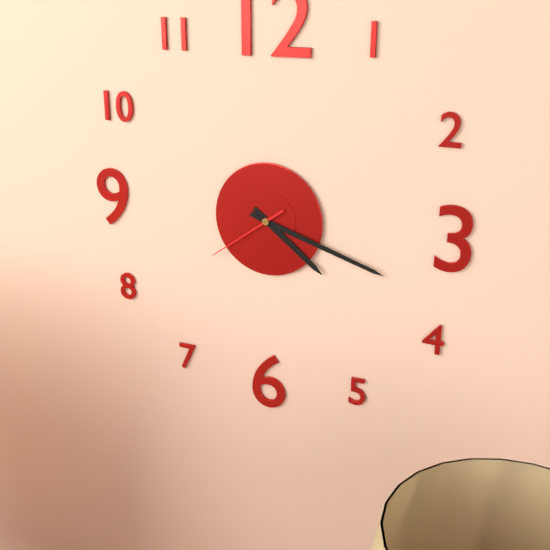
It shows 4h18m39s
